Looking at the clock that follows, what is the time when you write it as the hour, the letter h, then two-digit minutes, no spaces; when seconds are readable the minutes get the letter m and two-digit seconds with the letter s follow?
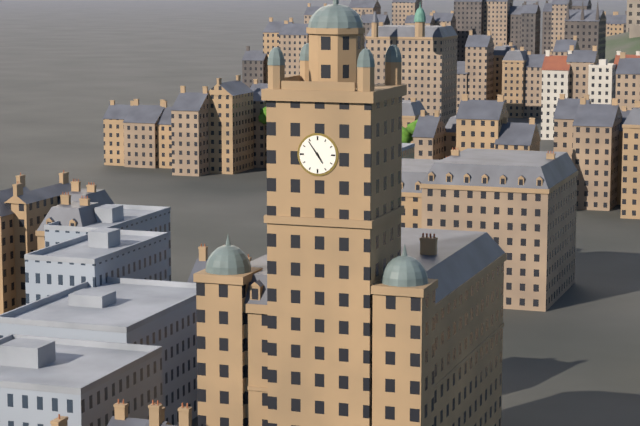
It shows 4h54
